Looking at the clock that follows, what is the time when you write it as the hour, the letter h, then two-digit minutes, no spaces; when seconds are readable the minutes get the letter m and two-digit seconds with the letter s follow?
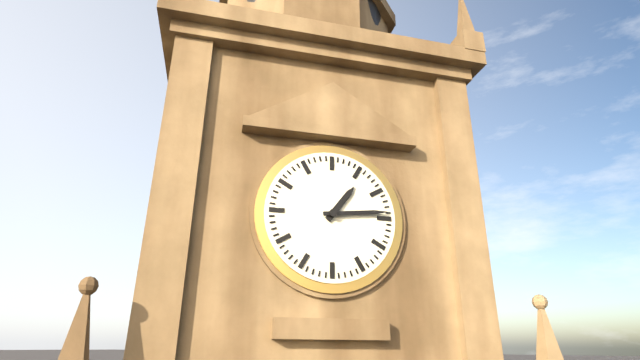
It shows 1h14
